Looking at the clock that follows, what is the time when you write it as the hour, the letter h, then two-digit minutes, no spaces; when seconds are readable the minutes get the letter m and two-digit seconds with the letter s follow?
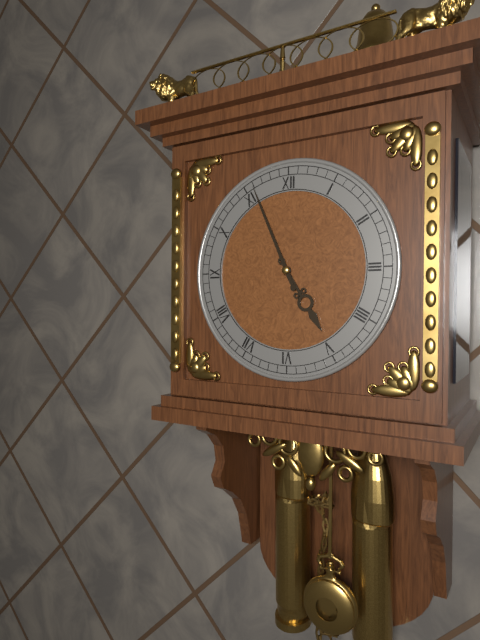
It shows 4h56
